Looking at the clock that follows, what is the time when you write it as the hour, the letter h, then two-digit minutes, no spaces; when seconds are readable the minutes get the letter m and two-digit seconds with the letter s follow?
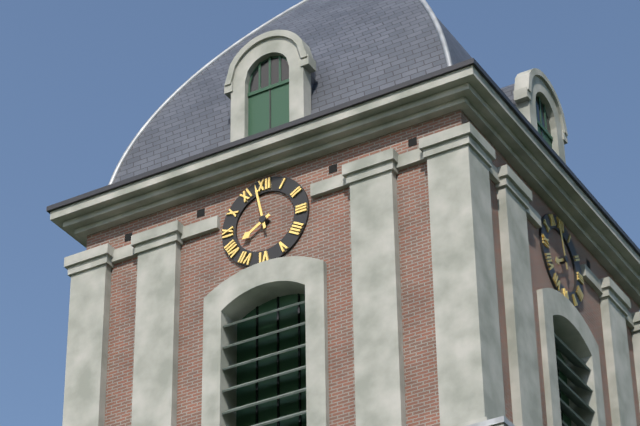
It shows 7h58
